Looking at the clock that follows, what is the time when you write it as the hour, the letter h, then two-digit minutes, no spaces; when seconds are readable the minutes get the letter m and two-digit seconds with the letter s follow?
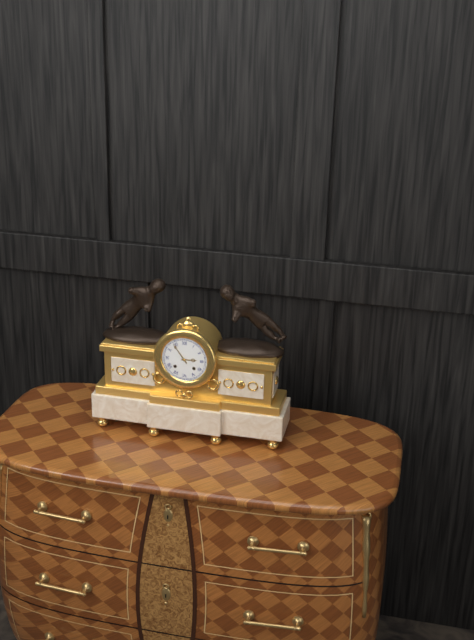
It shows 2h54
